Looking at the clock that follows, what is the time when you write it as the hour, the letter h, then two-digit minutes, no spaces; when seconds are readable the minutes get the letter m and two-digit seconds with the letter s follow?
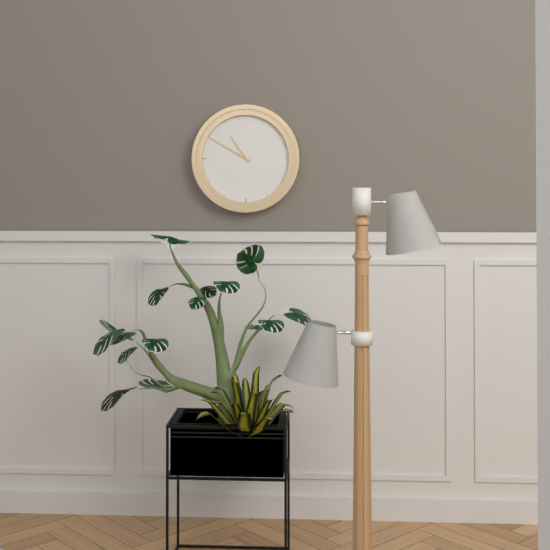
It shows 10h50
